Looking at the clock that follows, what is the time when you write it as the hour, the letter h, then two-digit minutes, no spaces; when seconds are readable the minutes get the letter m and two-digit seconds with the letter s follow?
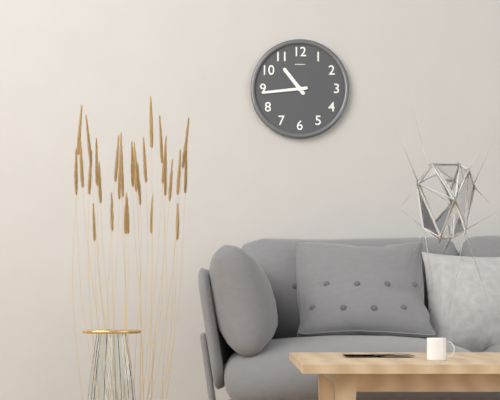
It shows 10h44
